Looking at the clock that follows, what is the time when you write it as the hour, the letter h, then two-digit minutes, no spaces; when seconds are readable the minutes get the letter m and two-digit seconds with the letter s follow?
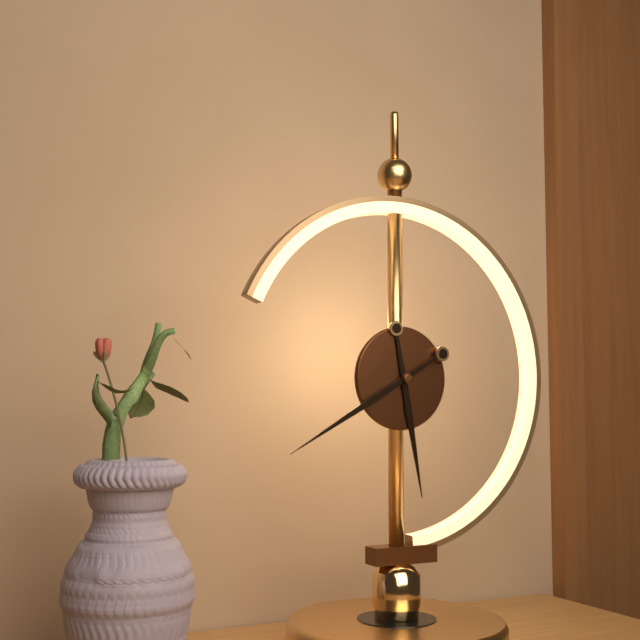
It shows 5h40
